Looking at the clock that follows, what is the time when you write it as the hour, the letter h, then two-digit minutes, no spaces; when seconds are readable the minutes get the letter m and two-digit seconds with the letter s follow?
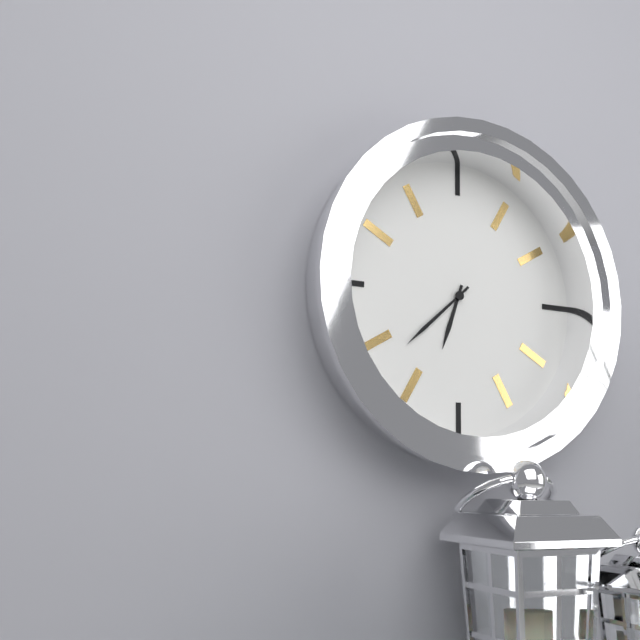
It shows 6h38
